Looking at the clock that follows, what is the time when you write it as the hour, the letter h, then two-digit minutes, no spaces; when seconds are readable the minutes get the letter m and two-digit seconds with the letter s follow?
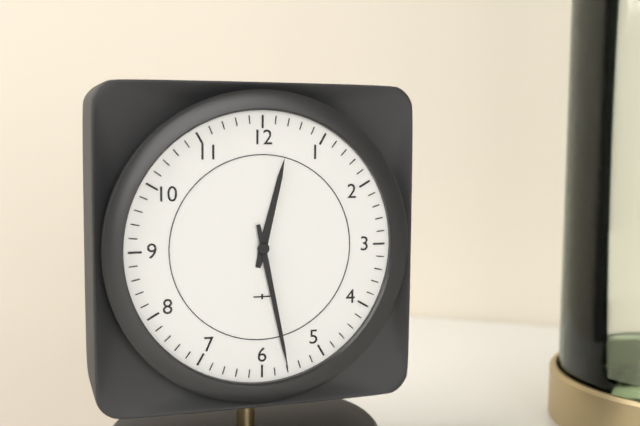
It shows 12h28
